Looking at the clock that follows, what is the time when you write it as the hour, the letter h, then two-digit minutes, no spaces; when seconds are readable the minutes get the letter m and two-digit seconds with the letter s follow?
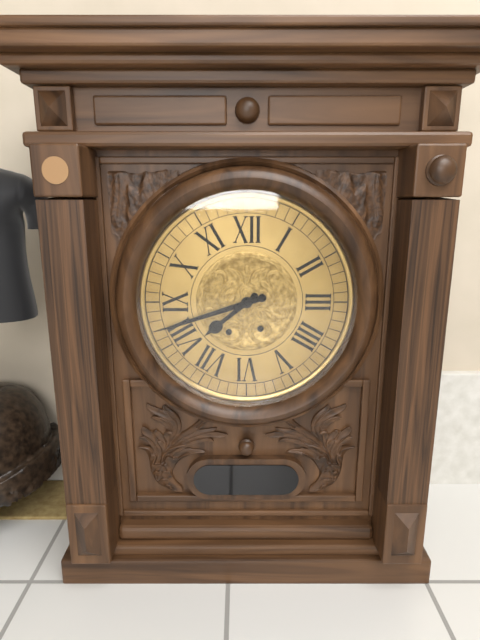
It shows 7h42
